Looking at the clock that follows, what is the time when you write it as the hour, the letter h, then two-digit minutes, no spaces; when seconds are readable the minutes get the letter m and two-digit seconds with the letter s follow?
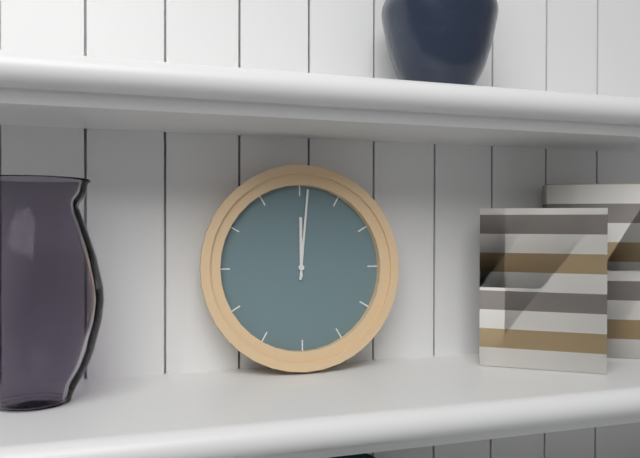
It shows 12h01
